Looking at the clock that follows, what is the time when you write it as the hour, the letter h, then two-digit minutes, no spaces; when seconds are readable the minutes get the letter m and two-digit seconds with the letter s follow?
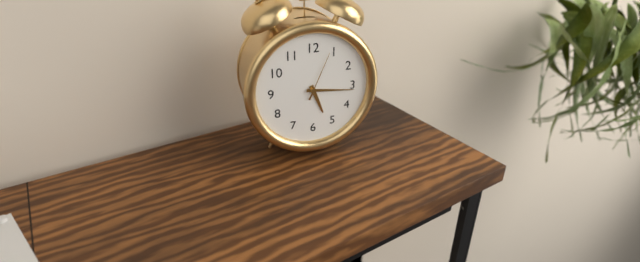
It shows 5h16m04s
